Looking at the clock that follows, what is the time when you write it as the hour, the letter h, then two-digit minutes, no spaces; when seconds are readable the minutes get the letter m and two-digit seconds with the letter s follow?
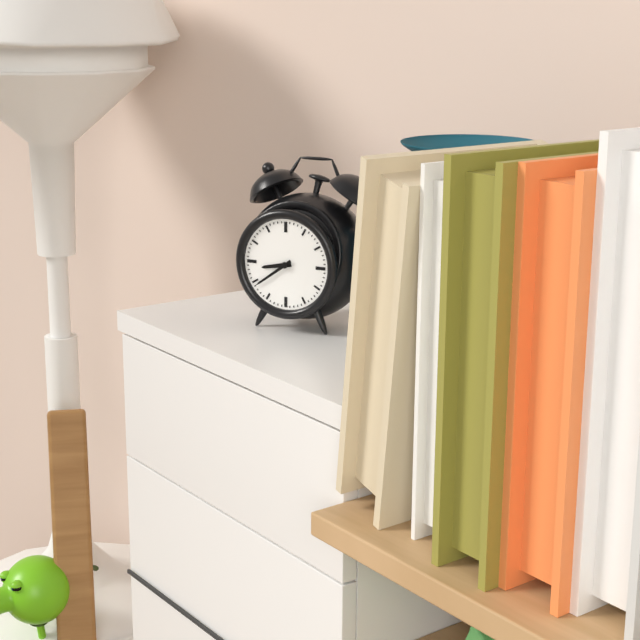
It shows 8h39
